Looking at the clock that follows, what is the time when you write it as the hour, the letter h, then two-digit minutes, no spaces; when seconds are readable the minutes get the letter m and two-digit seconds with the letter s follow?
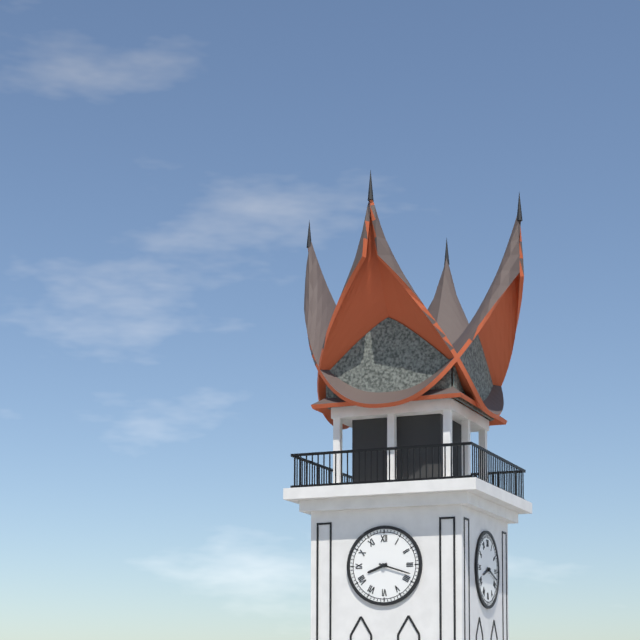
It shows 8h18
